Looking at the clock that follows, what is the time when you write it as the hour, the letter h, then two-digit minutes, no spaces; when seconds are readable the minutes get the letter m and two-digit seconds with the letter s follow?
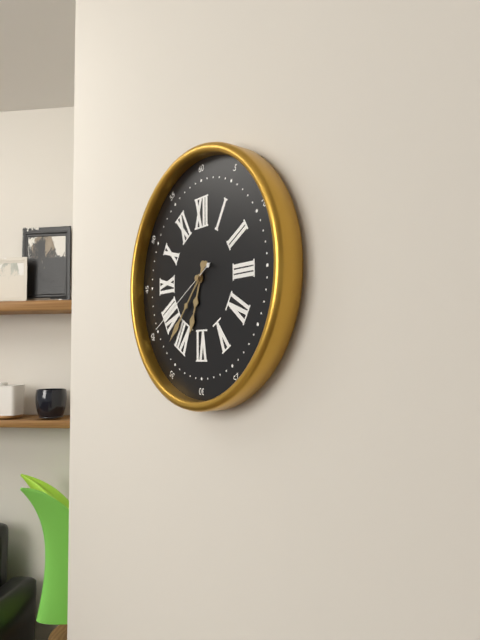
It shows 6h37m40s
